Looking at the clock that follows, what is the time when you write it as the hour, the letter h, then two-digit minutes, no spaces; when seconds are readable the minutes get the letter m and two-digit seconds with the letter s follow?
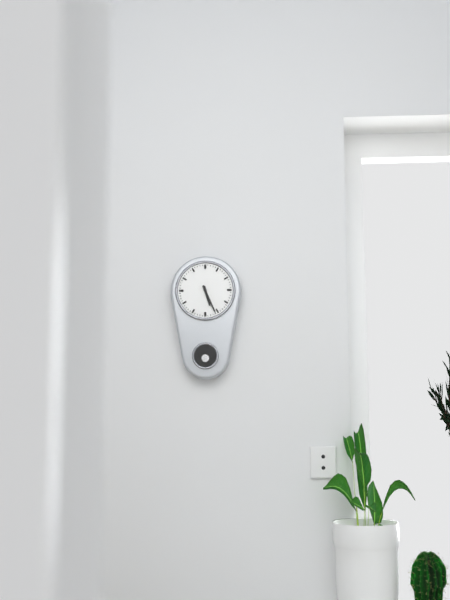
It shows 5h26
